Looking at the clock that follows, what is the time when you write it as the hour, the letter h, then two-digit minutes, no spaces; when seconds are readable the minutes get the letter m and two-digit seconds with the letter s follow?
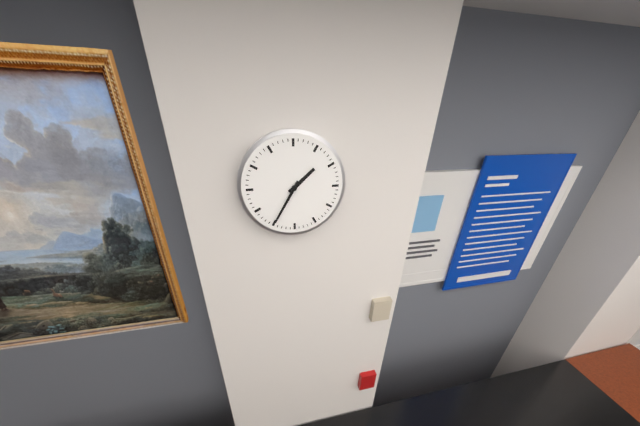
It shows 1h35
